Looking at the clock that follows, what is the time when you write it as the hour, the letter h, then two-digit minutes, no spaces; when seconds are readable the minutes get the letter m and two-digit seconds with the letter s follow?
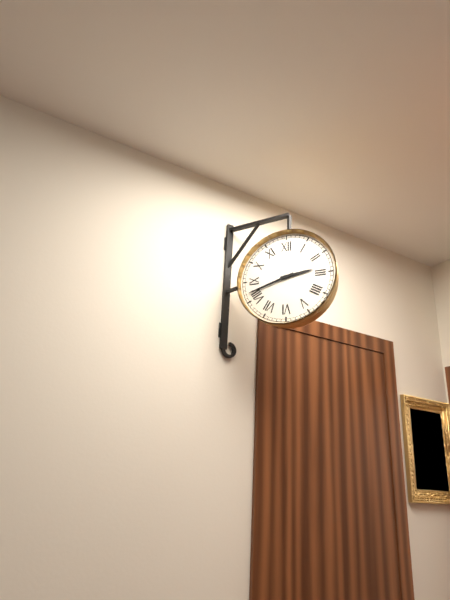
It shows 2h42
